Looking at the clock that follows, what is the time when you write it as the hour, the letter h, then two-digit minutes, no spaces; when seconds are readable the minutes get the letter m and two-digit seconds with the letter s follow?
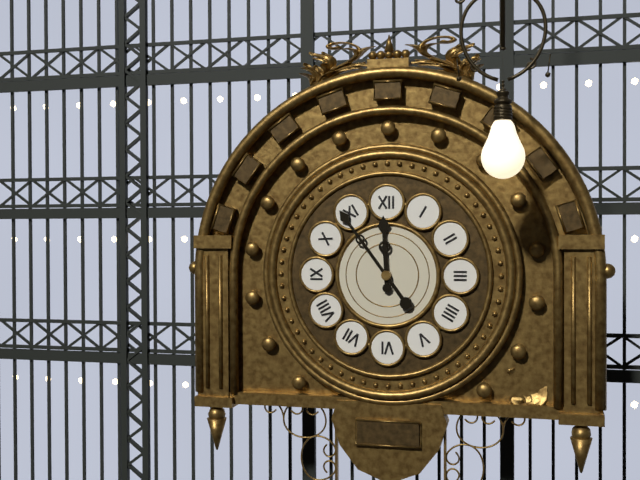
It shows 11h54
